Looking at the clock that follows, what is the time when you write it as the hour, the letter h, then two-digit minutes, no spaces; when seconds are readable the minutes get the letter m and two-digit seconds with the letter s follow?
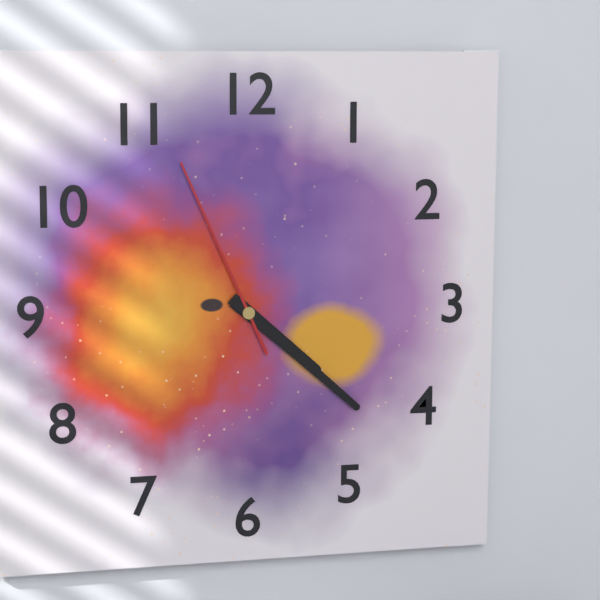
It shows 4h22m56s
